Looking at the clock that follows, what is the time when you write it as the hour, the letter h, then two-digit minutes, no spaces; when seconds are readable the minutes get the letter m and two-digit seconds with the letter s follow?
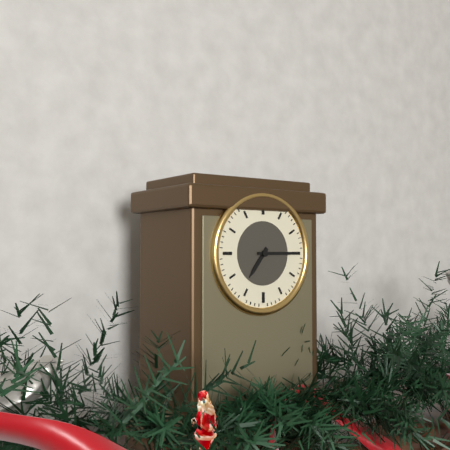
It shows 7h15
